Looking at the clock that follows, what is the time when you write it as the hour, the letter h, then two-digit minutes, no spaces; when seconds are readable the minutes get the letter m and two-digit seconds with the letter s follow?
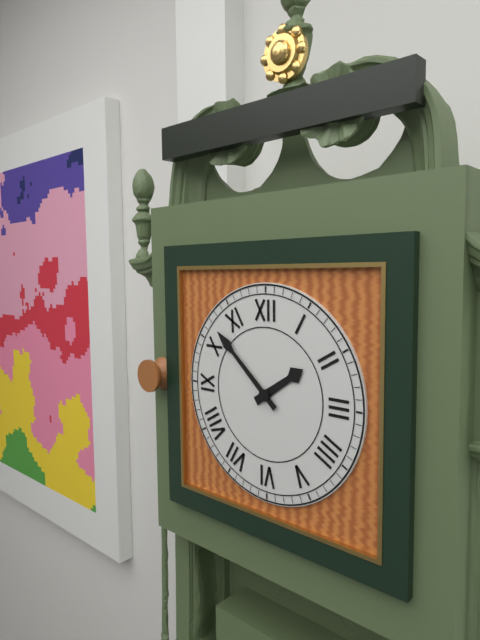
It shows 1h52
